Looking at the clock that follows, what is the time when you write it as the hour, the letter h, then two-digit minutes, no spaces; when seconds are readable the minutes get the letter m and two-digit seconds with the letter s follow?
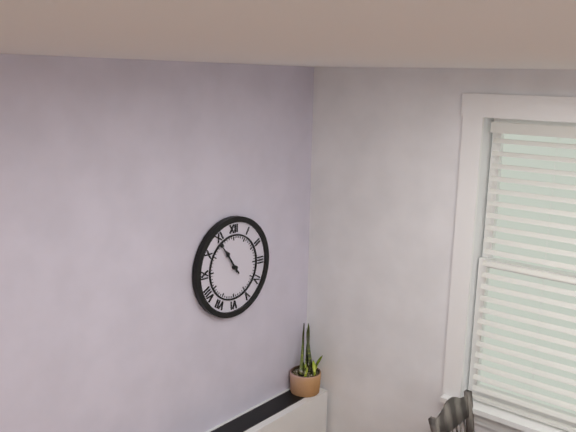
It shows 10h54
